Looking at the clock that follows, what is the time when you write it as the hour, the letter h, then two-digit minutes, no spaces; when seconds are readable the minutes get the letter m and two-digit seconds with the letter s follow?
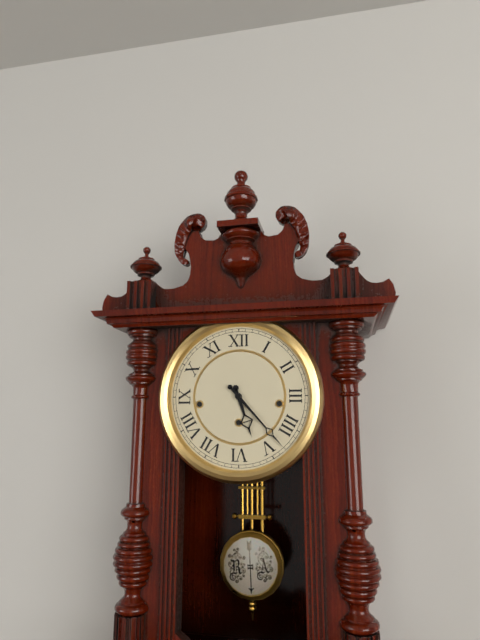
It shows 5h23
